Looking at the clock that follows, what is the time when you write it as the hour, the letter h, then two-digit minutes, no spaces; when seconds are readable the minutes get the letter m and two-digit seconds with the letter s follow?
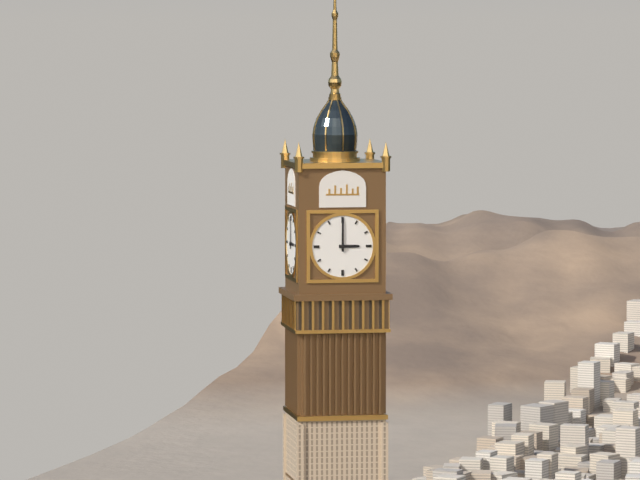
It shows 3h00
